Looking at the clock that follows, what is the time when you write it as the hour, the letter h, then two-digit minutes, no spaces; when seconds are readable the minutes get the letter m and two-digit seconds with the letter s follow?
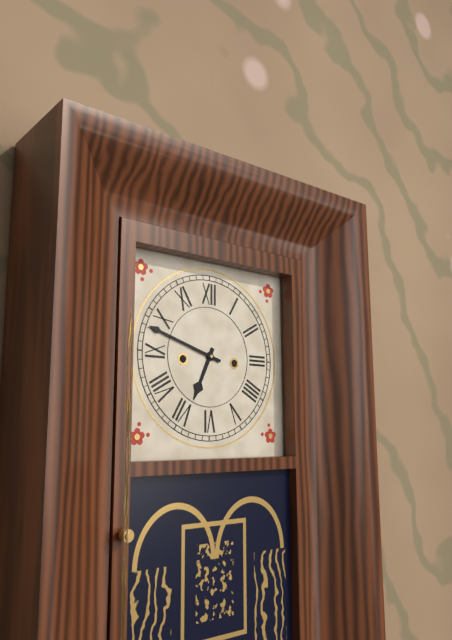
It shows 6h48
